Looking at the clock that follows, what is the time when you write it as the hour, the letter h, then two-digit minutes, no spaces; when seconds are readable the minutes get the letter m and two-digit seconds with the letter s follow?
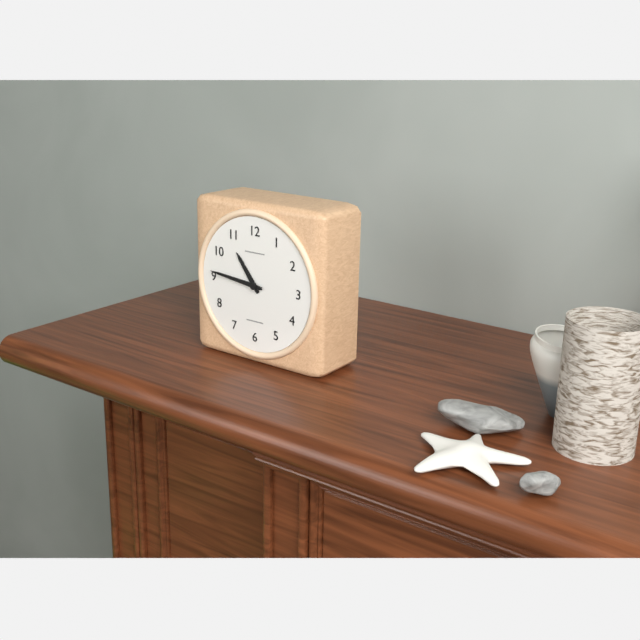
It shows 10h46
